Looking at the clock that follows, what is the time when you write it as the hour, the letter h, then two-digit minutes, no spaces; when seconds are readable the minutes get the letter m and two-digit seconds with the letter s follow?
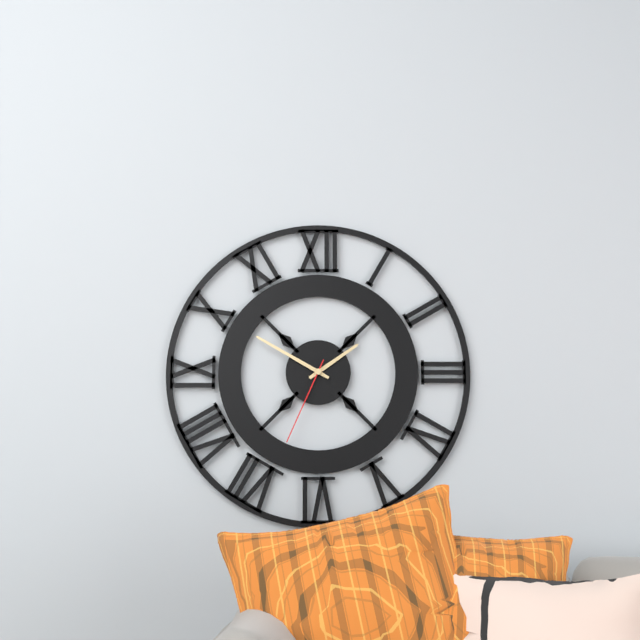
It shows 1h50m34s
